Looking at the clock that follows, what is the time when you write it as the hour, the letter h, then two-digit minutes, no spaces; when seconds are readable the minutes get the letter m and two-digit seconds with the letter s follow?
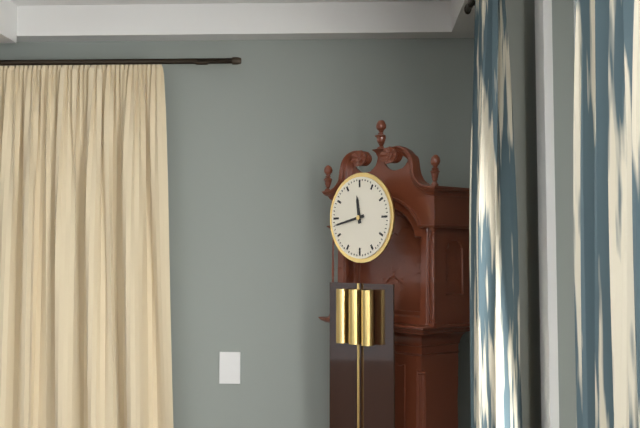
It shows 11h43
